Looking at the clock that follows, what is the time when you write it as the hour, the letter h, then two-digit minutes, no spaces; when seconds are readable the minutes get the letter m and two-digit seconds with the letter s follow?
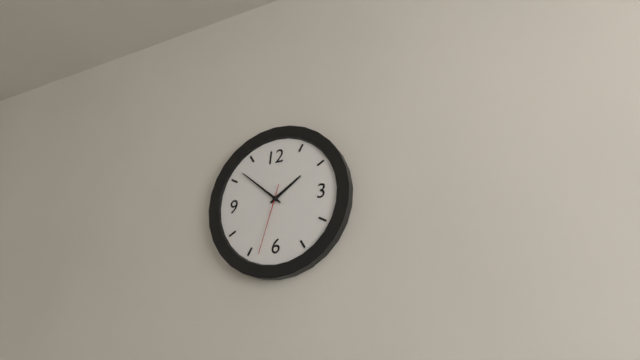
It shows 1h52m33s
